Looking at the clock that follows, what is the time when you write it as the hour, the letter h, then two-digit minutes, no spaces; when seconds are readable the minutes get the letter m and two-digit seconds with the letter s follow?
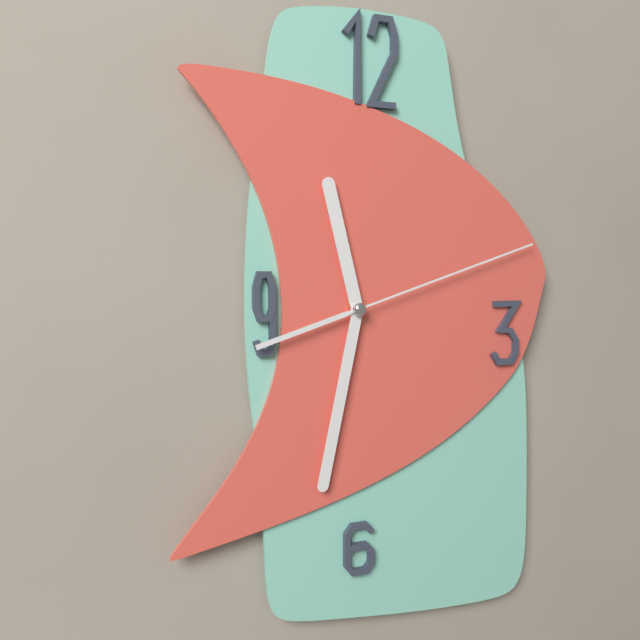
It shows 11h32m12s
